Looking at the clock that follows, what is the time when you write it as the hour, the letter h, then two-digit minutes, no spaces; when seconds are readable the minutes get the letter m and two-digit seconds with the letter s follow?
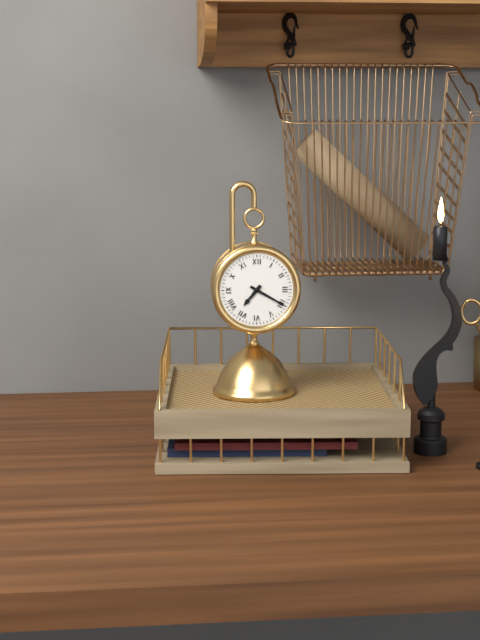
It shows 7h20
